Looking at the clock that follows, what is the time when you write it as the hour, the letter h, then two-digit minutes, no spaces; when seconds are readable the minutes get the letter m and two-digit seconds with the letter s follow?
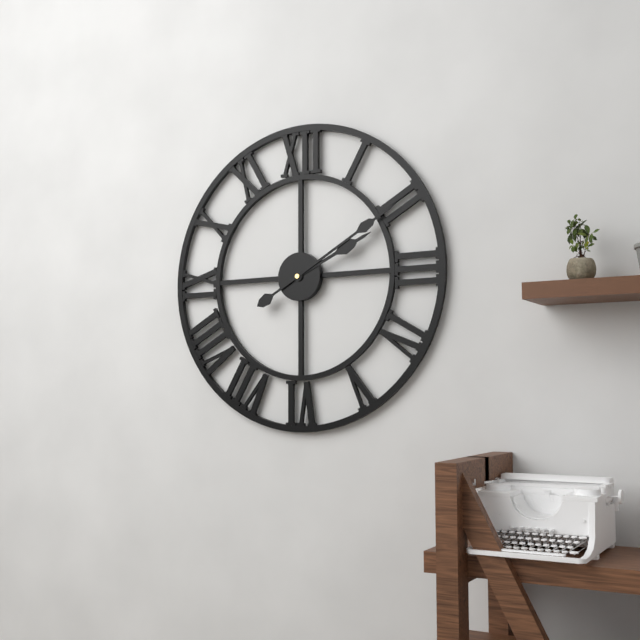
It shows 2h10
